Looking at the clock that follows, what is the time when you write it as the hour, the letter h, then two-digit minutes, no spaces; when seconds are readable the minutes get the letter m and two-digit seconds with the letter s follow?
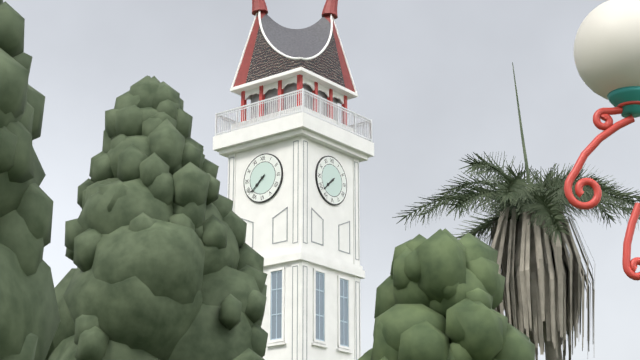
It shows 7h38
